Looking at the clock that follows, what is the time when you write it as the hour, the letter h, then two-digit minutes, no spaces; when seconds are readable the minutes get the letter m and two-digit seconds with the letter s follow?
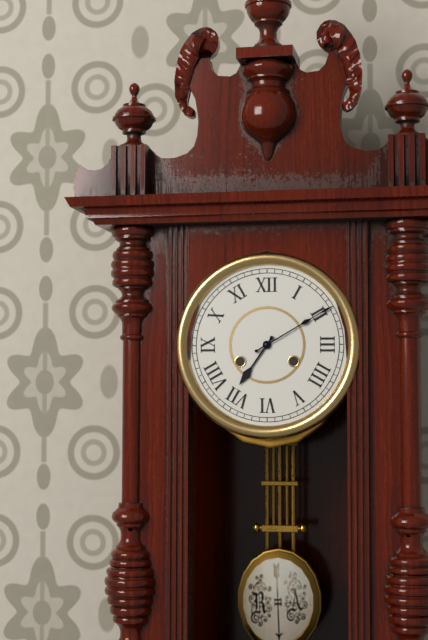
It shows 7h10
